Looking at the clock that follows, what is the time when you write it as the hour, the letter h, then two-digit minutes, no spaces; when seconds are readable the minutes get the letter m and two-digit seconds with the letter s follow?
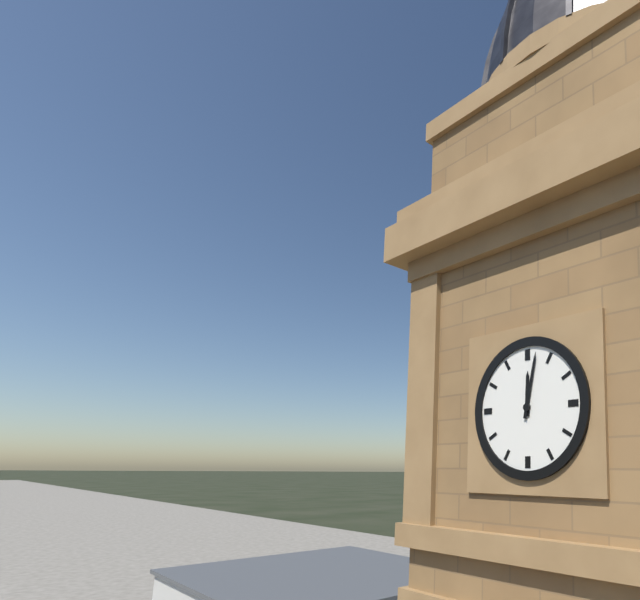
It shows 12h02
